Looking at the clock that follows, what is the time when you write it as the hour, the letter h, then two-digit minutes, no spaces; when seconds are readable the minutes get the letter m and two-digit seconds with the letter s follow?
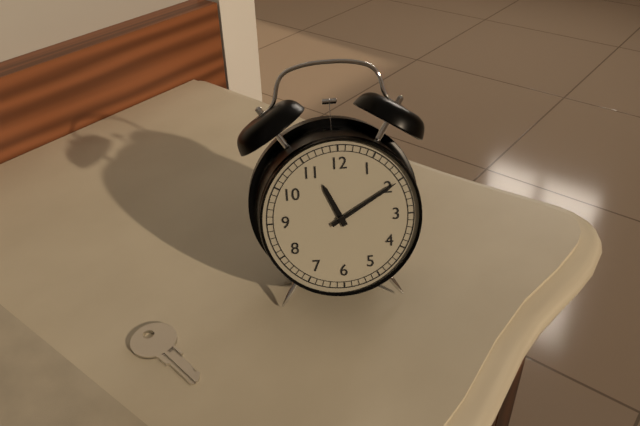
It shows 11h10
